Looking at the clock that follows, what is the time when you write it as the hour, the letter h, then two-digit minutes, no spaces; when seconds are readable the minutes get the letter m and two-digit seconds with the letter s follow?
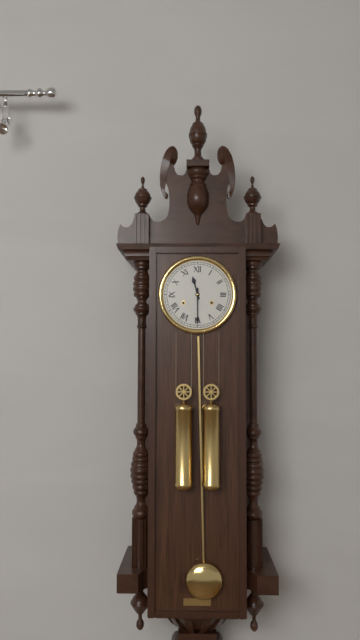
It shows 11h30
